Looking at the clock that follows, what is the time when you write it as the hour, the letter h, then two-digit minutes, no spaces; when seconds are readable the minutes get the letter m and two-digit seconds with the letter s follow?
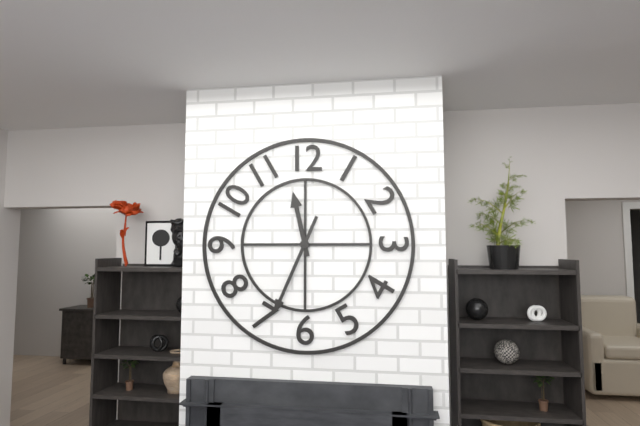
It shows 11h34
